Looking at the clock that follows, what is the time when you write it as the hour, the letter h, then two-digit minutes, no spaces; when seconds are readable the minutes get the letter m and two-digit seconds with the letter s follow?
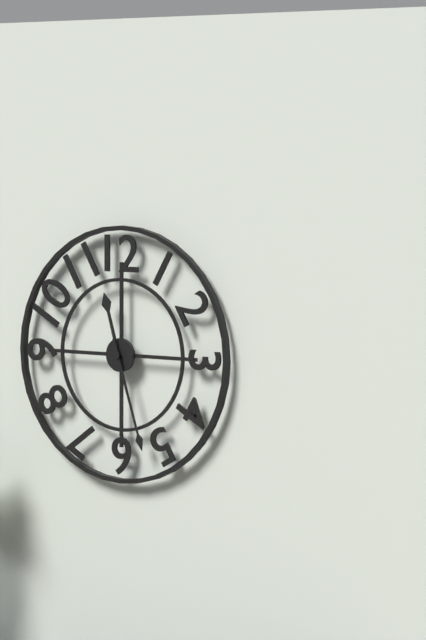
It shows 11h27
